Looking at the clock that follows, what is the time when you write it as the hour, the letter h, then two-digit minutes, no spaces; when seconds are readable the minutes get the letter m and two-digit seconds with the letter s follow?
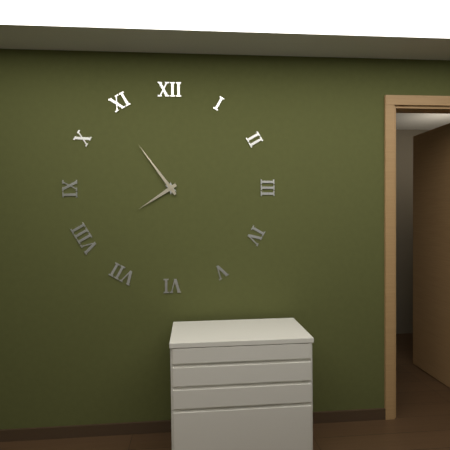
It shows 7h54
